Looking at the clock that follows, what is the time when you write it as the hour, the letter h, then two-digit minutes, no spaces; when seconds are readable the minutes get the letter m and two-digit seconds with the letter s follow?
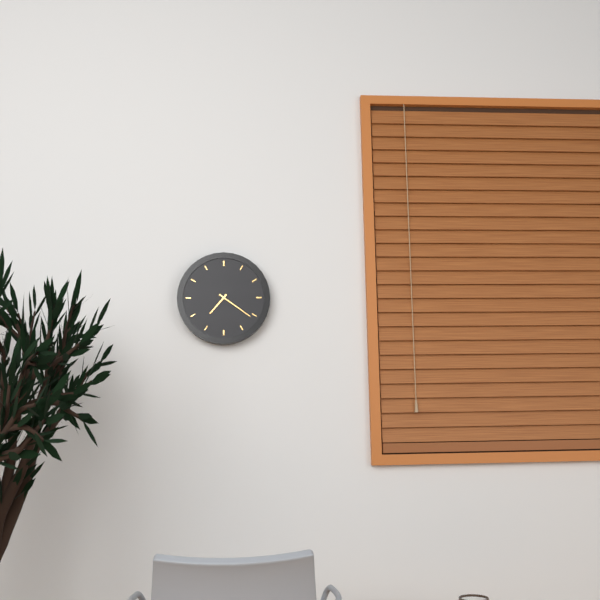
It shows 7h21
